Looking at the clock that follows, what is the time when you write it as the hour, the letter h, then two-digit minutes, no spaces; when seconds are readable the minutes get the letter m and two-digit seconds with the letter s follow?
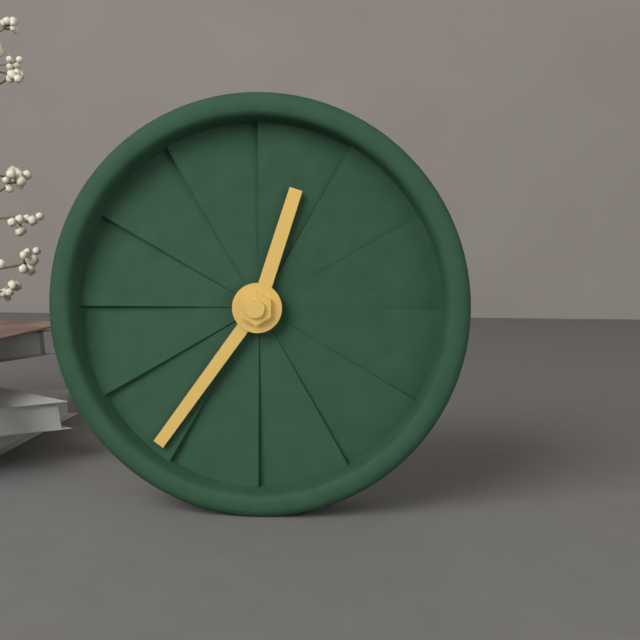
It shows 12h36
